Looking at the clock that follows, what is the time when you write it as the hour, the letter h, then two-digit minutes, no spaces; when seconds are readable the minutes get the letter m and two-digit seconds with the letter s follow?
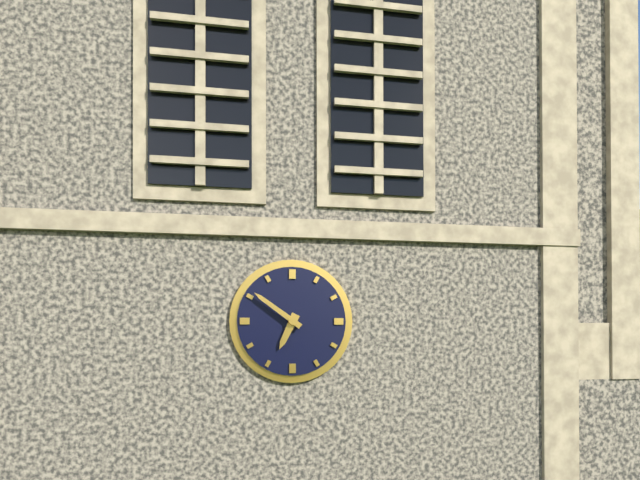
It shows 6h51
